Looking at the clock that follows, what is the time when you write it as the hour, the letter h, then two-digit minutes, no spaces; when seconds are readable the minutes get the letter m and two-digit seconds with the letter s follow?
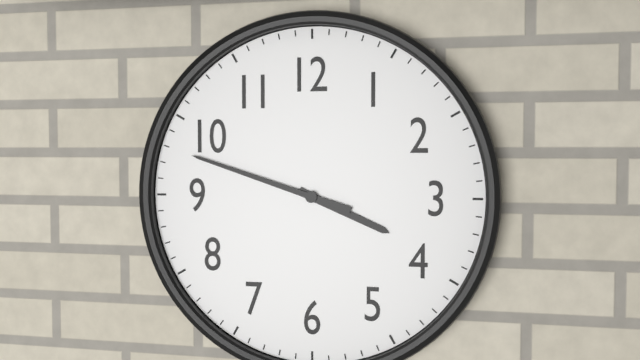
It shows 3h48
